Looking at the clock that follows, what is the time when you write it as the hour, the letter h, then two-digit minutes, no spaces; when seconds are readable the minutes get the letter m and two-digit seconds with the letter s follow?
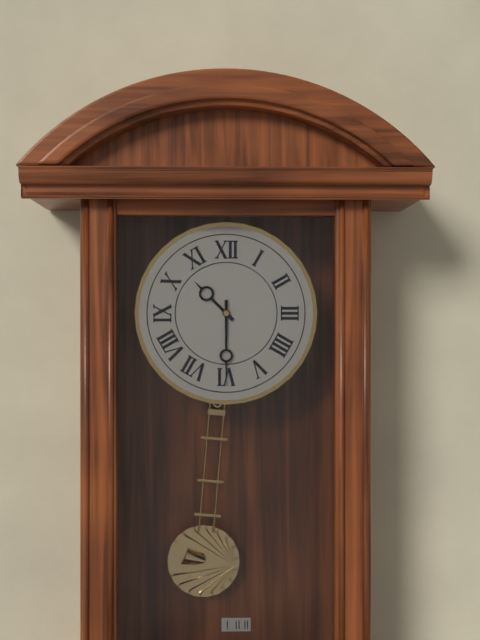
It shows 10h30
